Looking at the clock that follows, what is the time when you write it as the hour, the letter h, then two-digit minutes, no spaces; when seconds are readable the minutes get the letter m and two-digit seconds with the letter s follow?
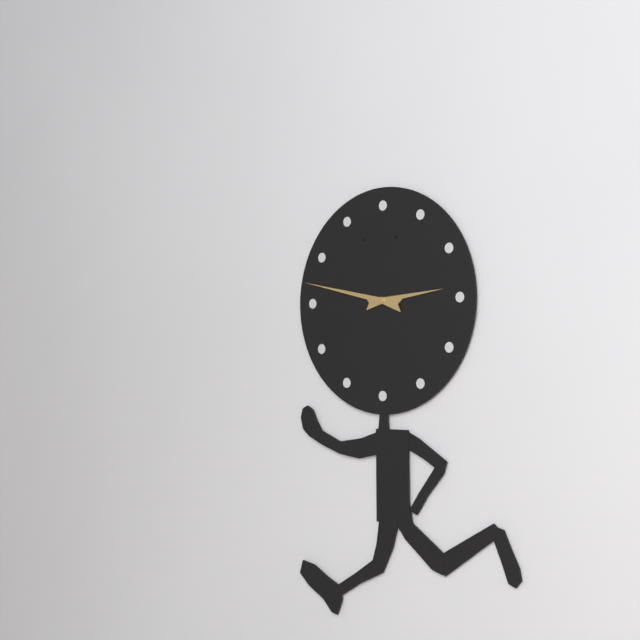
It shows 2h47
